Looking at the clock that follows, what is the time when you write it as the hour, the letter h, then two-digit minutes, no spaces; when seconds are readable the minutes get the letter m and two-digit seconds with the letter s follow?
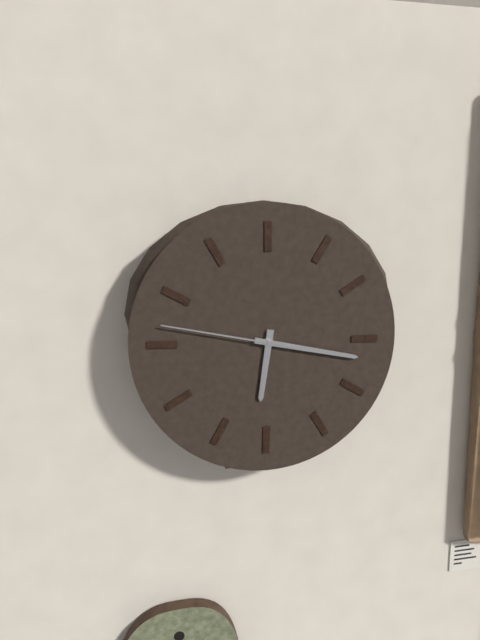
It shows 6h17m47s
